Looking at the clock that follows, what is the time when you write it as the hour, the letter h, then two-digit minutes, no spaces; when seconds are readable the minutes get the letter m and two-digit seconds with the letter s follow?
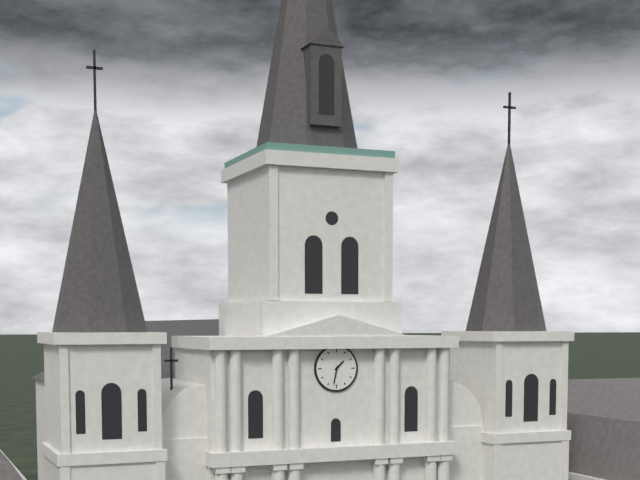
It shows 1h32
